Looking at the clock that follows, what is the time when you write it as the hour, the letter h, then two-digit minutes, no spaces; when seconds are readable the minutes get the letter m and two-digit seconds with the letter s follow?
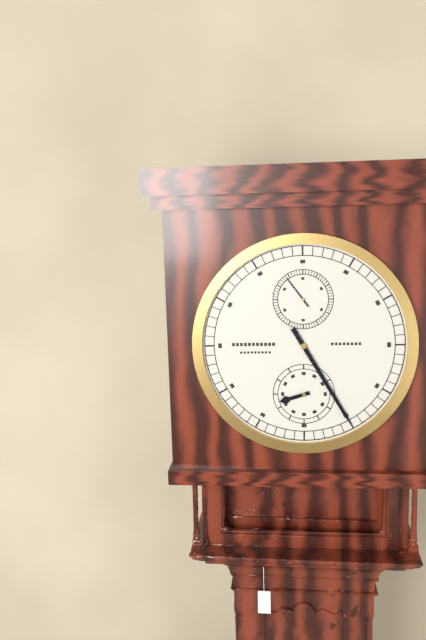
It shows 8h25
